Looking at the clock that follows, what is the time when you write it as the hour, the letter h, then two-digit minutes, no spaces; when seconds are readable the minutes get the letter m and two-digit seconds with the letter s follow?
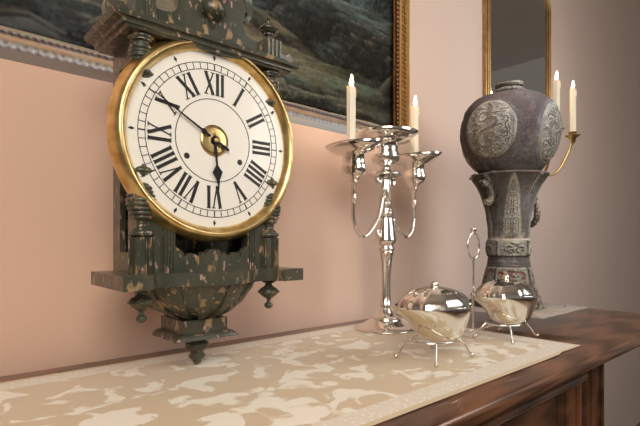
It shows 5h50
